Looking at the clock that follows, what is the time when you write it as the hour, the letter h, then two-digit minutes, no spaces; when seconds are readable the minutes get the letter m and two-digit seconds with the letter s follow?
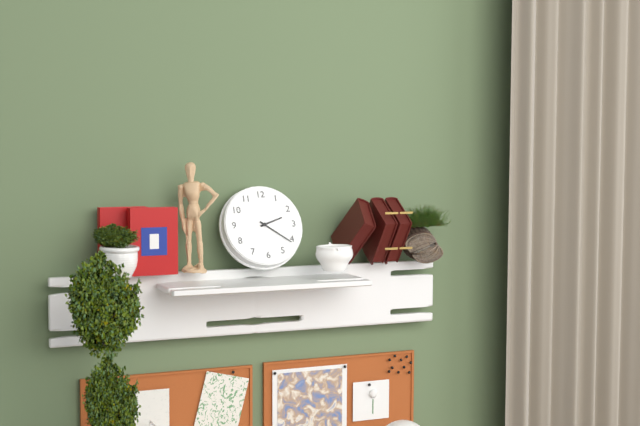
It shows 2h21
